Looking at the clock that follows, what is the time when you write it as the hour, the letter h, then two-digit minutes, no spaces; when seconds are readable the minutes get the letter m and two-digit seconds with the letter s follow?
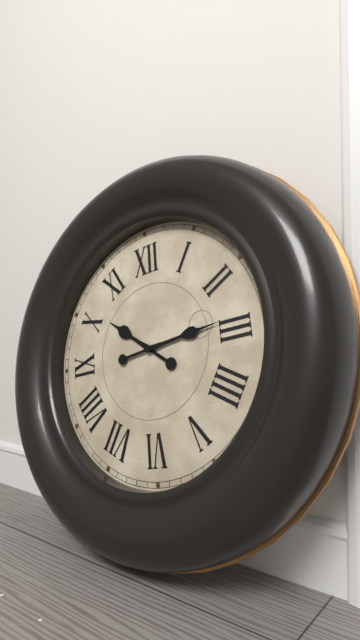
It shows 10h14
